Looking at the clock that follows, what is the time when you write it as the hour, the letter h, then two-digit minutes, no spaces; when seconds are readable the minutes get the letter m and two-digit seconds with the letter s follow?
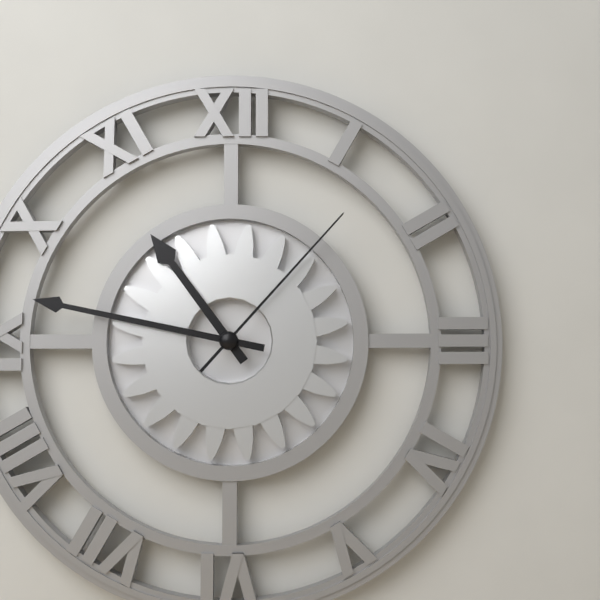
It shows 10h47m07s
